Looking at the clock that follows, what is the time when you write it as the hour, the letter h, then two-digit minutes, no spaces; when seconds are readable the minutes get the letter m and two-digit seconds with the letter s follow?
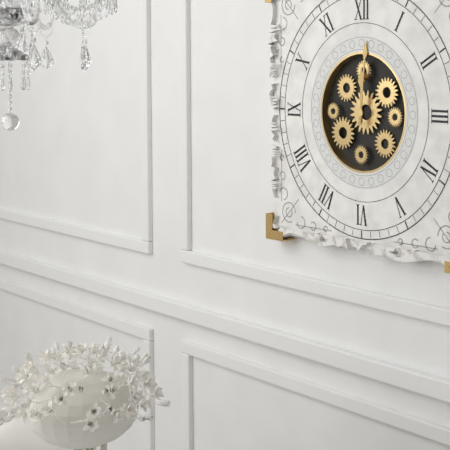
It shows 12h01
